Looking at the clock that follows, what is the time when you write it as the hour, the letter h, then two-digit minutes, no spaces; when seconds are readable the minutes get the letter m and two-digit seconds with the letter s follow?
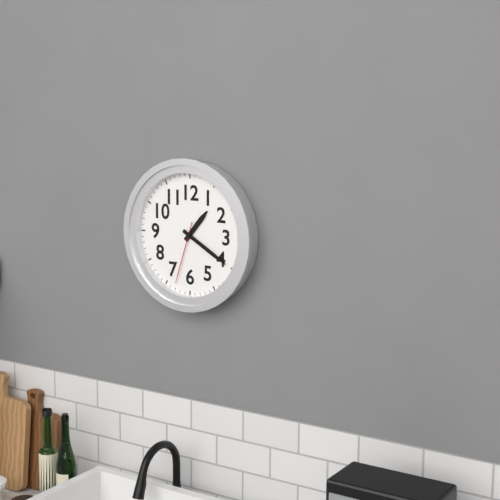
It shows 1h20m33s
